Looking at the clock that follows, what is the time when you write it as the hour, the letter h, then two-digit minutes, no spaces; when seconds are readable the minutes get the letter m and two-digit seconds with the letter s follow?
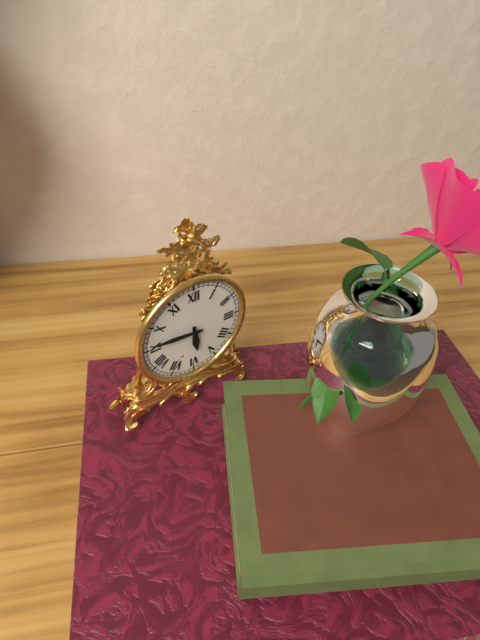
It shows 5h46
